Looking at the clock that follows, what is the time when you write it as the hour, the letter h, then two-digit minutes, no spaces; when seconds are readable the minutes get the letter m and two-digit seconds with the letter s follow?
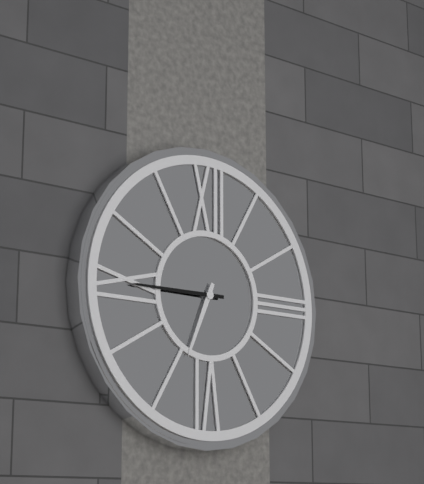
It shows 6h45
